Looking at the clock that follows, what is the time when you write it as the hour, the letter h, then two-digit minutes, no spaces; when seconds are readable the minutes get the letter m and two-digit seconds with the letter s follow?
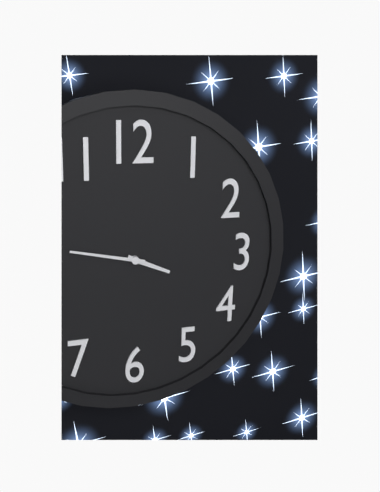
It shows 3h47
